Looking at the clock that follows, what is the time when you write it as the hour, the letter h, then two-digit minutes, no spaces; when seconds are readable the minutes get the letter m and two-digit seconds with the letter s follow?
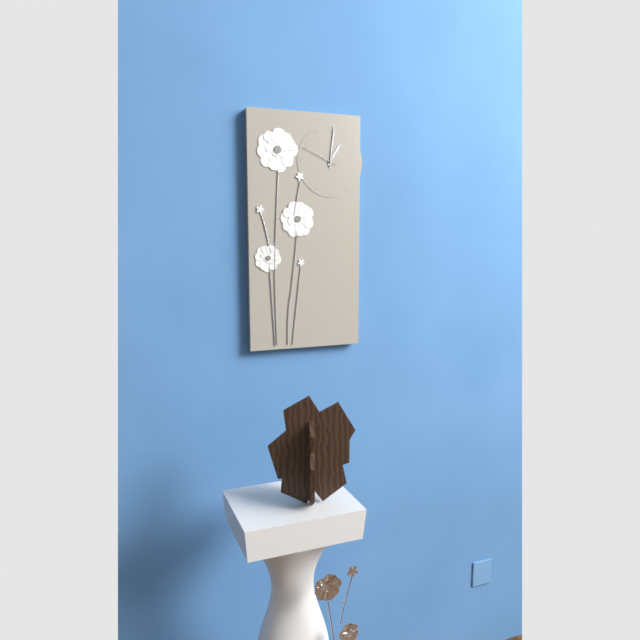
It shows 1h01
